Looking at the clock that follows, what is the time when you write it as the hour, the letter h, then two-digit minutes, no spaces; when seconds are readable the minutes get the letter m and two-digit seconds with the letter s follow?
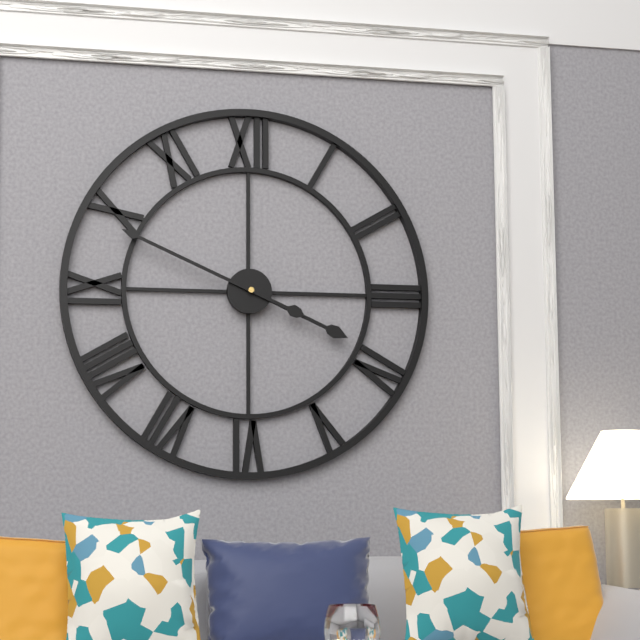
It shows 3h49
